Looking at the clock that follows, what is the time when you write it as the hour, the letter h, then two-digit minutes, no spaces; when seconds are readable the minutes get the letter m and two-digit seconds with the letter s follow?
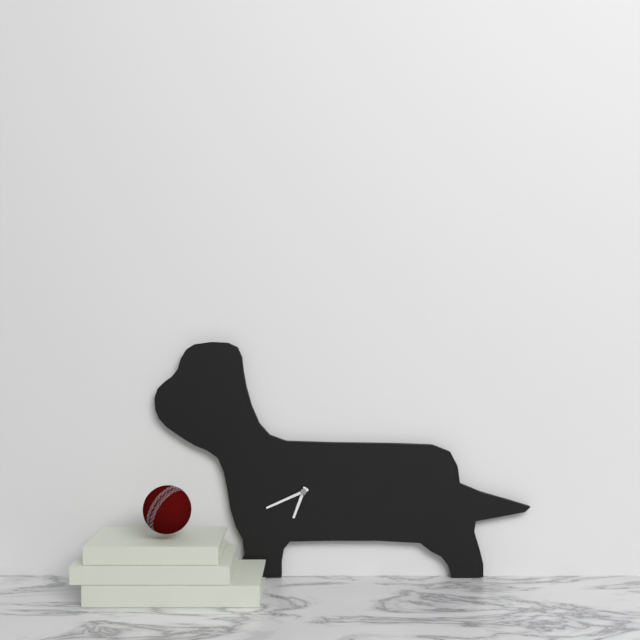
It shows 6h41
